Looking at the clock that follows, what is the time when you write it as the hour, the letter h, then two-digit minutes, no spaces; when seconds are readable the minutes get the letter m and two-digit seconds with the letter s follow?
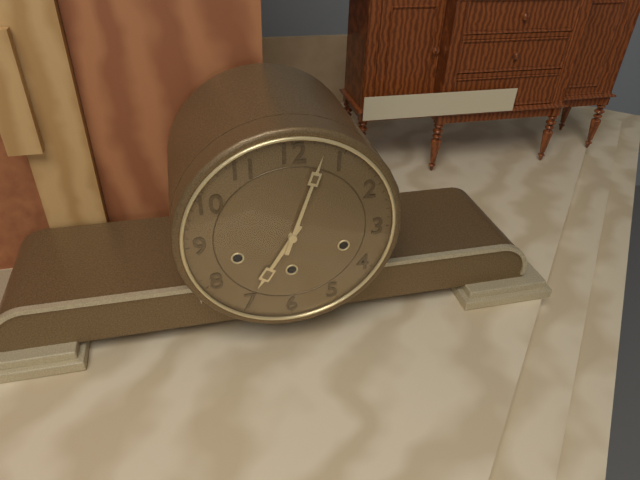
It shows 7h03
